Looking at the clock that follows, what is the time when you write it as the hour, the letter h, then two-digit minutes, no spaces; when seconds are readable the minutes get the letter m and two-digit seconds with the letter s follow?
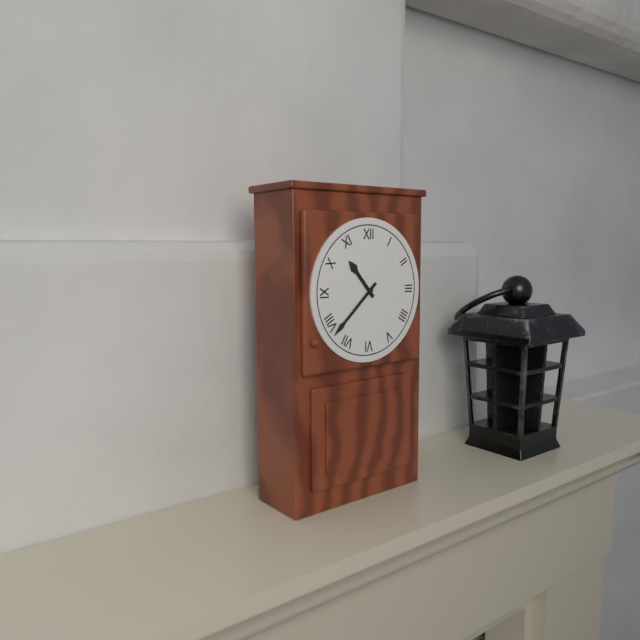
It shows 10h38
